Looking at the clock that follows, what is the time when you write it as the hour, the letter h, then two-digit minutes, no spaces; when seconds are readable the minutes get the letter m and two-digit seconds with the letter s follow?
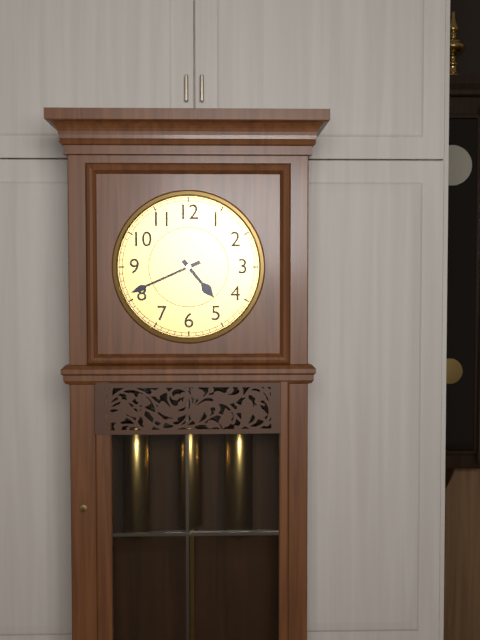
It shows 4h41
